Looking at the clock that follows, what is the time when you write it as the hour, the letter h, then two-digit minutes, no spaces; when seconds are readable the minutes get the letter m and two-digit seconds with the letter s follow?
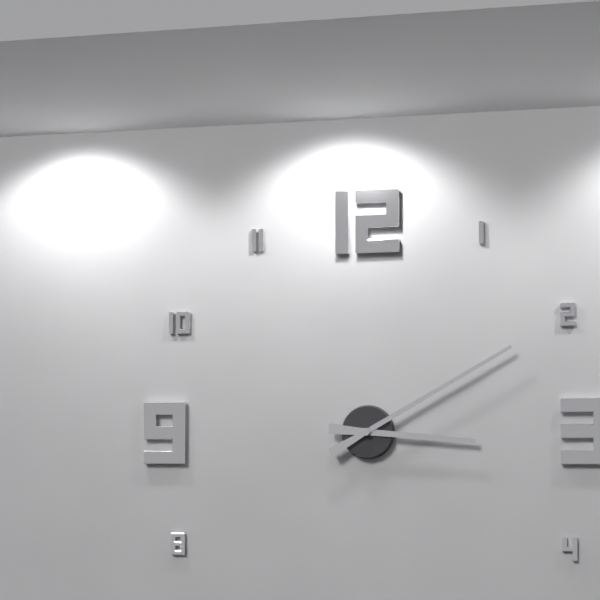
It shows 3h10
